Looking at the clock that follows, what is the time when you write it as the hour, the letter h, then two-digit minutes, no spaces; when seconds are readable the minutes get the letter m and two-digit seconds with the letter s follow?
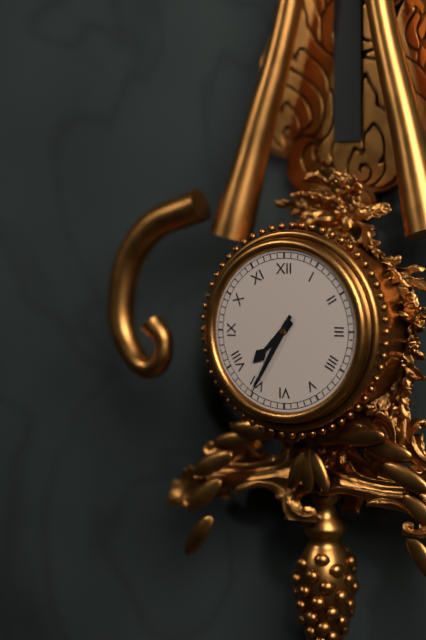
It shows 7h35
